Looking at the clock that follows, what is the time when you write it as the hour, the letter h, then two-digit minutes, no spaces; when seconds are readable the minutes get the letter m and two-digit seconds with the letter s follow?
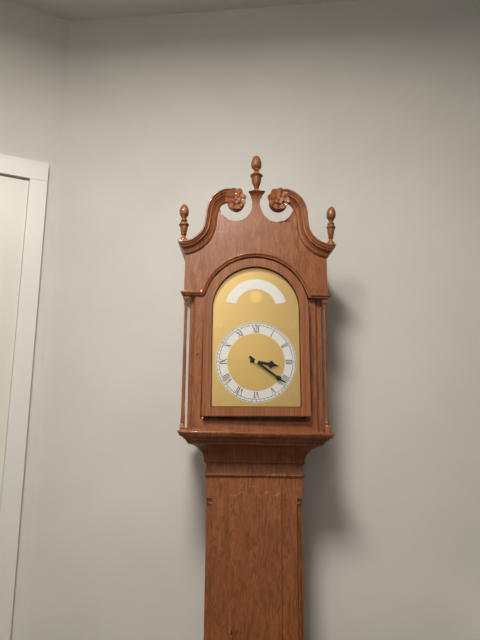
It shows 3h21
